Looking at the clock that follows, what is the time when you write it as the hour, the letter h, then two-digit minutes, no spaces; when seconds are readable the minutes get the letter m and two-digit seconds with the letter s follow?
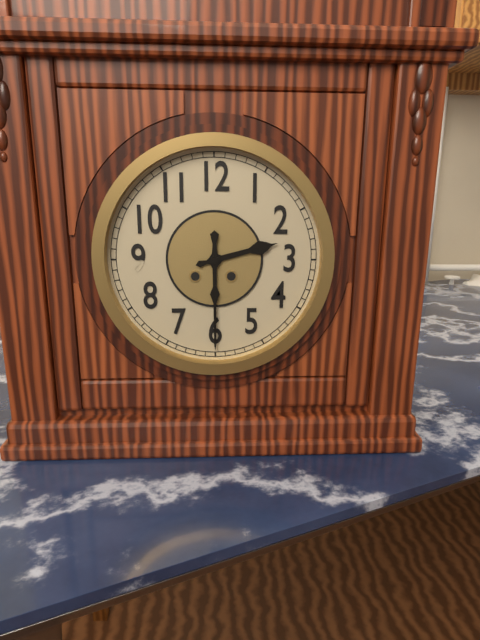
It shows 2h30
